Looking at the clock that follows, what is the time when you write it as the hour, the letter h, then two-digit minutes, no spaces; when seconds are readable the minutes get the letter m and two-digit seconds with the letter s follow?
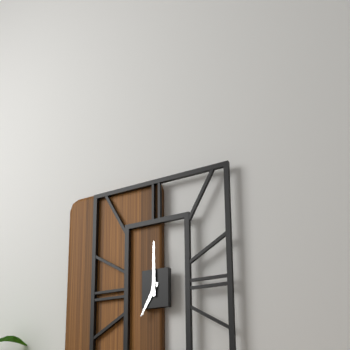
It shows 7h00
